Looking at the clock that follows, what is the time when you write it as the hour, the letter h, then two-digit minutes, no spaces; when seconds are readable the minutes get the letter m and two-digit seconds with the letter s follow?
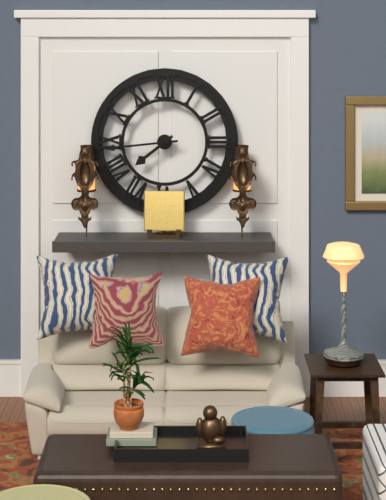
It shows 7h44
